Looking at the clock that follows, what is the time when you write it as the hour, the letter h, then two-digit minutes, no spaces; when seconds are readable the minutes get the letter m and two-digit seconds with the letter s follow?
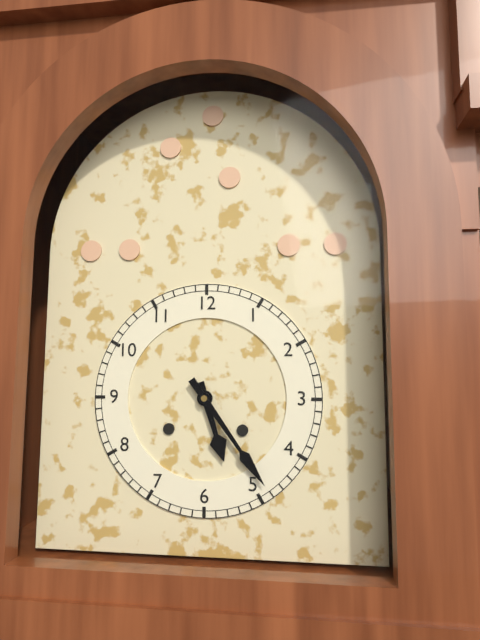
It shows 5h24
